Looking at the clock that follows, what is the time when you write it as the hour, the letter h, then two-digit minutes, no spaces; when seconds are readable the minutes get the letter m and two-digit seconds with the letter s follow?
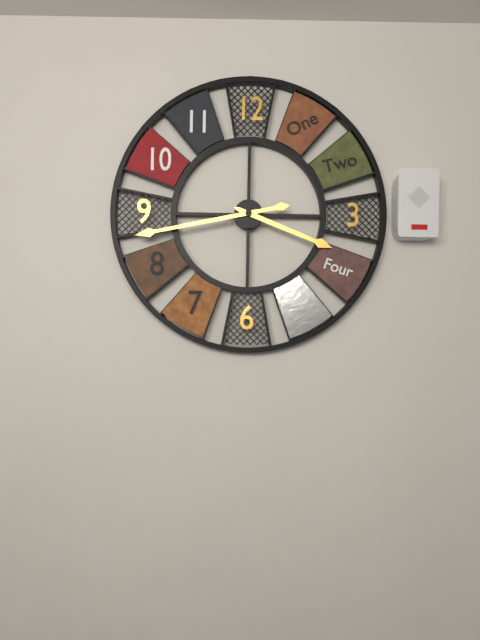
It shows 3h43
